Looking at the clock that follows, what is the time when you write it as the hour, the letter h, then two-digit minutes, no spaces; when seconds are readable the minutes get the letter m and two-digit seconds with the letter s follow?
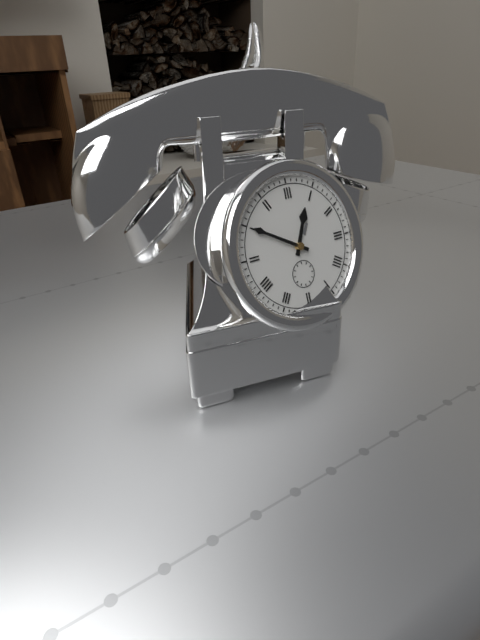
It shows 12h50
